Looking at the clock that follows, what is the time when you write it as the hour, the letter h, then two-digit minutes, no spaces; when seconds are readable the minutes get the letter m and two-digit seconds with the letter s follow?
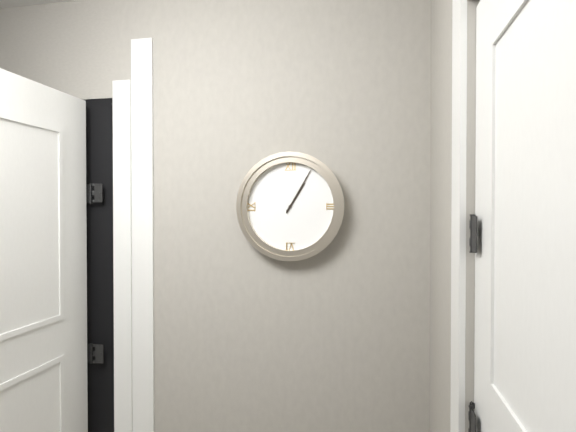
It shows 1h05
